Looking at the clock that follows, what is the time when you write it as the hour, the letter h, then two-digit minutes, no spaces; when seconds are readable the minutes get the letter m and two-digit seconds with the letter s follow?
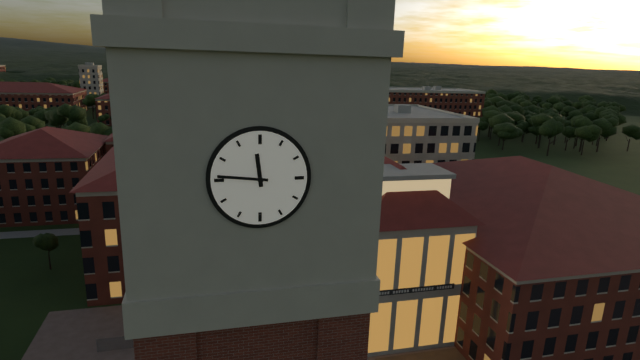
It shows 11h46
